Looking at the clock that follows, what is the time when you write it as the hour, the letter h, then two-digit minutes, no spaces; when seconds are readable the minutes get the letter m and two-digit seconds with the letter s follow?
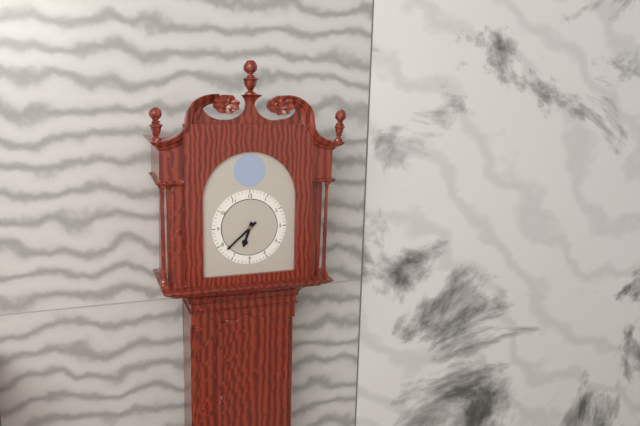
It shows 6h38
